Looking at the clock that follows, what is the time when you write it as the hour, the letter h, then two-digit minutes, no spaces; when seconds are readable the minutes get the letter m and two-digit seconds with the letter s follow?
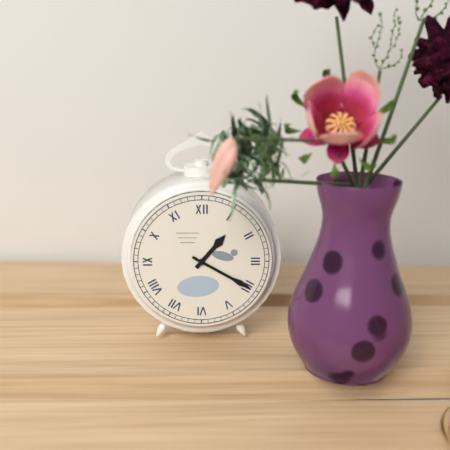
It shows 1h20
